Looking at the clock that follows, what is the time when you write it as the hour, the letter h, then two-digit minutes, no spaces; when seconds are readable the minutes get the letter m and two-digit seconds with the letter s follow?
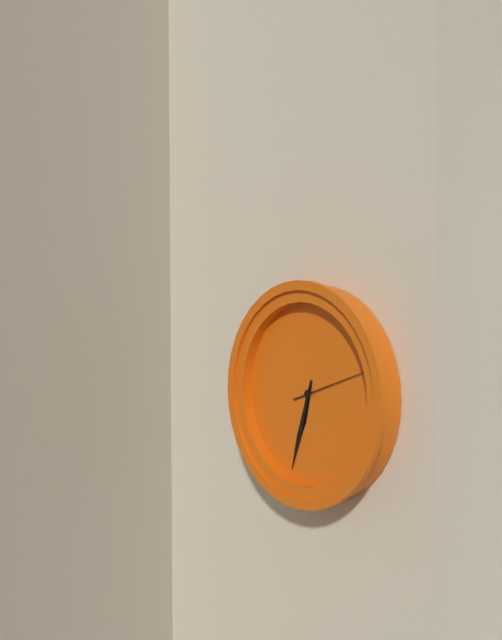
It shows 6h33m12s
